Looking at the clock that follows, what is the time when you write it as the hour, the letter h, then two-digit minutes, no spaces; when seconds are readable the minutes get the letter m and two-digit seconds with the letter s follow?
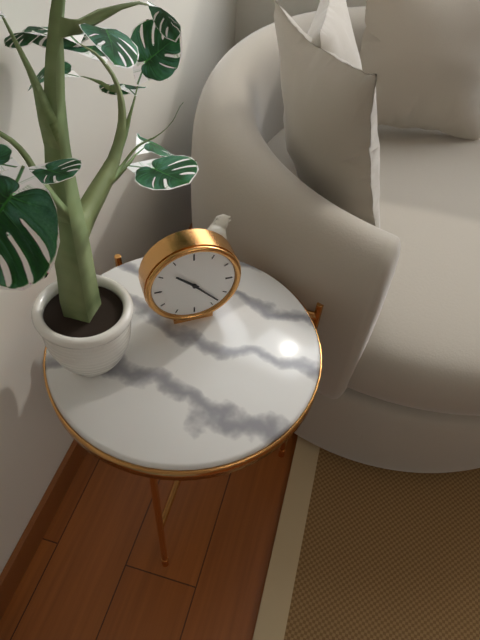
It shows 10h23
